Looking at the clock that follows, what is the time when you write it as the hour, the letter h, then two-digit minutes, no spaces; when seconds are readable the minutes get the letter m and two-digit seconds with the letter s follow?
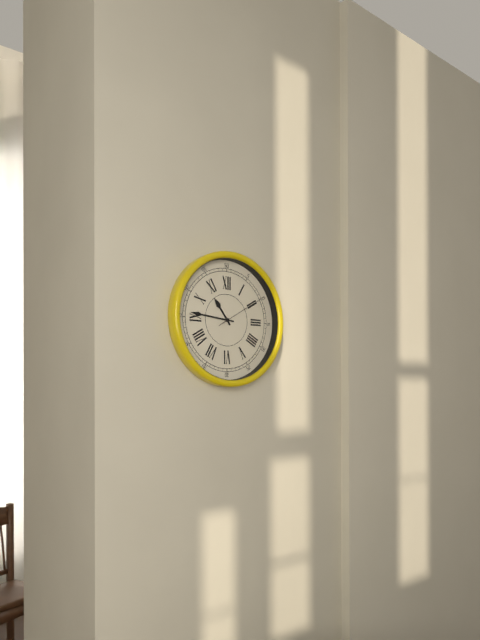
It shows 10h46
